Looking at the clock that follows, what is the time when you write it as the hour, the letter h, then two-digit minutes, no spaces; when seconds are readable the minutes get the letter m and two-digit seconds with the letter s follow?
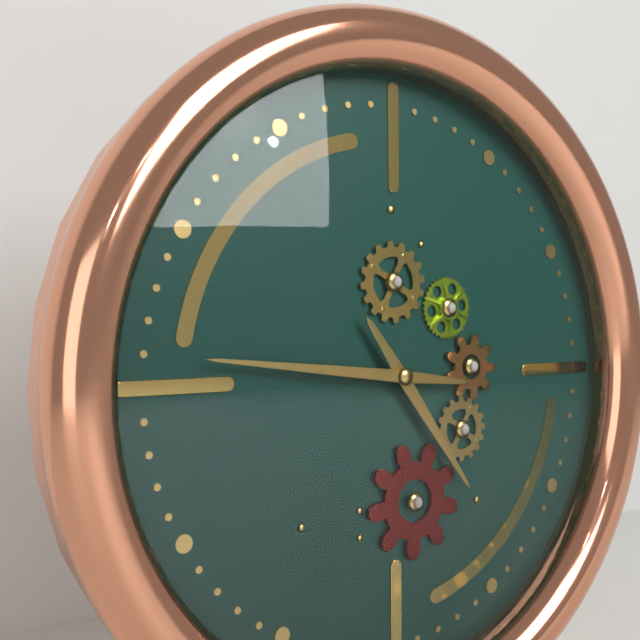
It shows 4h46
